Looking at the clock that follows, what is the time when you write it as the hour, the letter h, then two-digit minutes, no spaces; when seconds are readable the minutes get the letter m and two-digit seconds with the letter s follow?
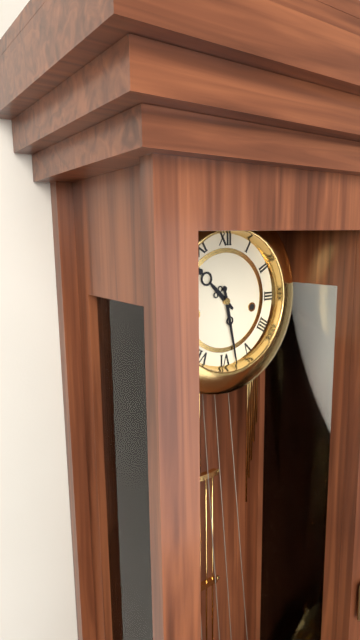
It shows 10h28
